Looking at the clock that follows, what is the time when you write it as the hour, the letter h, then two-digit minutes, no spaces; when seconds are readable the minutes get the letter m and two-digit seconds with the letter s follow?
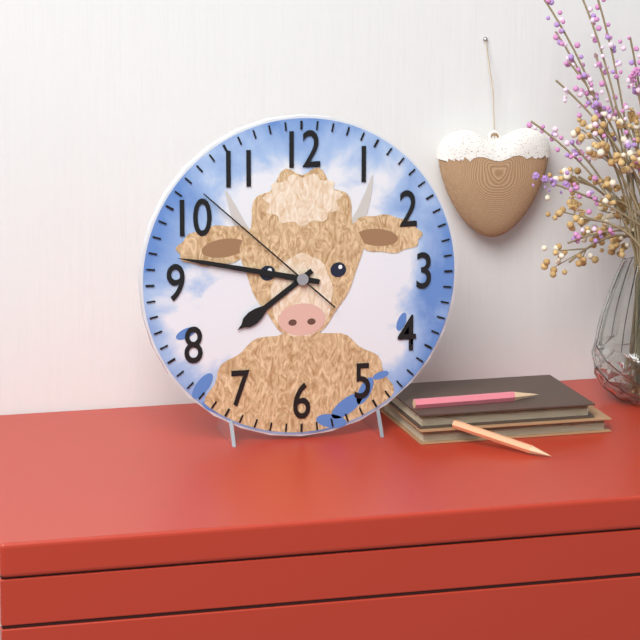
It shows 7h47m52s
